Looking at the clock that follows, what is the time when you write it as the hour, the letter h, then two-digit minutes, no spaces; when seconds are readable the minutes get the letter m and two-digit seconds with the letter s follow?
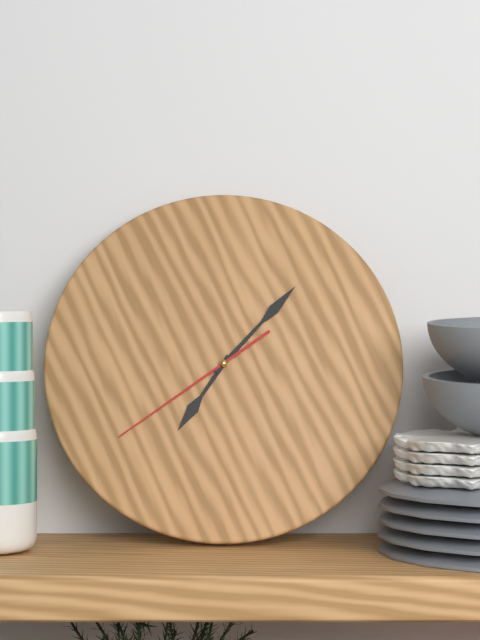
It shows 7h07m39s
